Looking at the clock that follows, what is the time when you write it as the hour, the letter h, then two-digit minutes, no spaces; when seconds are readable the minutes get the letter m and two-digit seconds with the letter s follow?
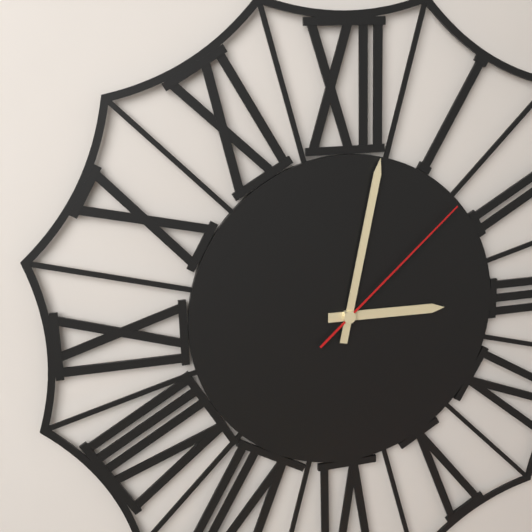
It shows 3h02m08s
